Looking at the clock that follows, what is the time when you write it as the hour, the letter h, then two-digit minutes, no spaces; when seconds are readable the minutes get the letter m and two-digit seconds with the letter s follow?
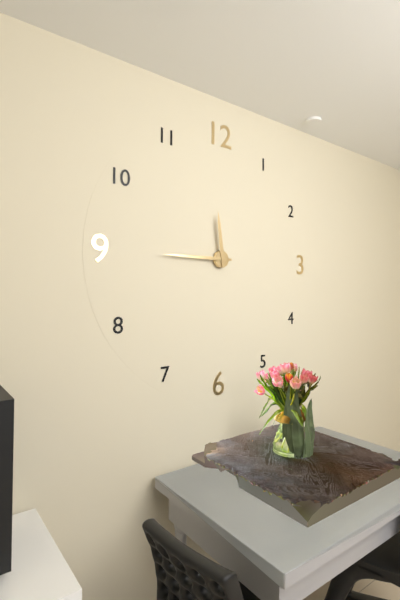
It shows 11h45
